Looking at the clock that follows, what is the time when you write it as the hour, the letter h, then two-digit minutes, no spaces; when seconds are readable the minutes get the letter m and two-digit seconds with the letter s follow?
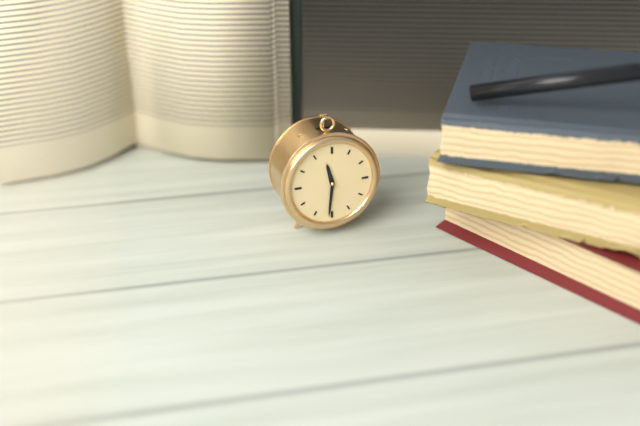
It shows 11h31
